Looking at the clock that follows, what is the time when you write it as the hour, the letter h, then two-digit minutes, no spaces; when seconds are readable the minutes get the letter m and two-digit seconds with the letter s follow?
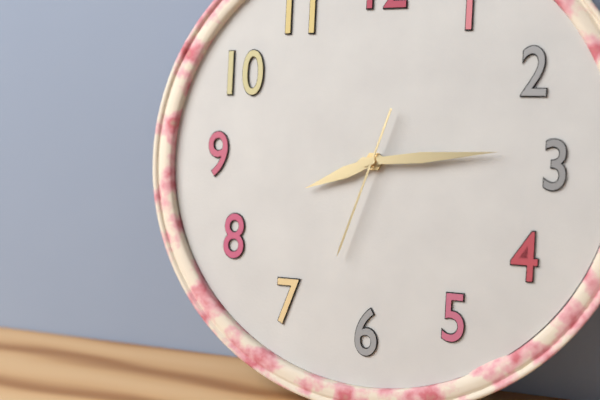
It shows 8h14m33s
